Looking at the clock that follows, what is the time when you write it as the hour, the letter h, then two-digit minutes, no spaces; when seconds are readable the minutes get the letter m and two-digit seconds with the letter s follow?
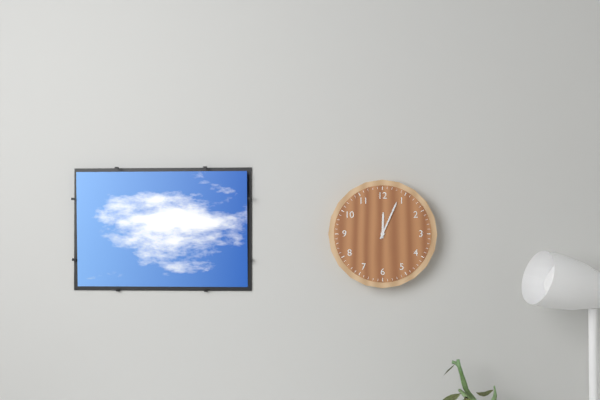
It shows 12h04
